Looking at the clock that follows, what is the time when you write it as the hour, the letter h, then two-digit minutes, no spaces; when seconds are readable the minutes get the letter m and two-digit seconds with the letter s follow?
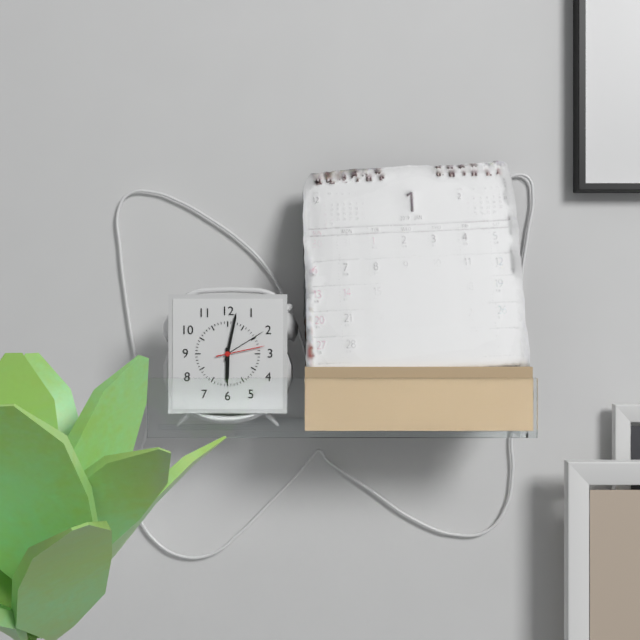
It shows 6h02
